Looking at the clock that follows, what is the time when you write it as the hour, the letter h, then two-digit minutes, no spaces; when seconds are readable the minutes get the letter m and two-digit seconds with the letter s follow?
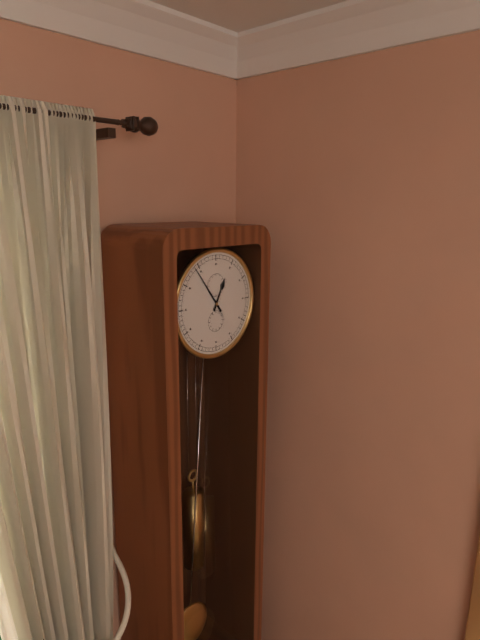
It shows 12h54
